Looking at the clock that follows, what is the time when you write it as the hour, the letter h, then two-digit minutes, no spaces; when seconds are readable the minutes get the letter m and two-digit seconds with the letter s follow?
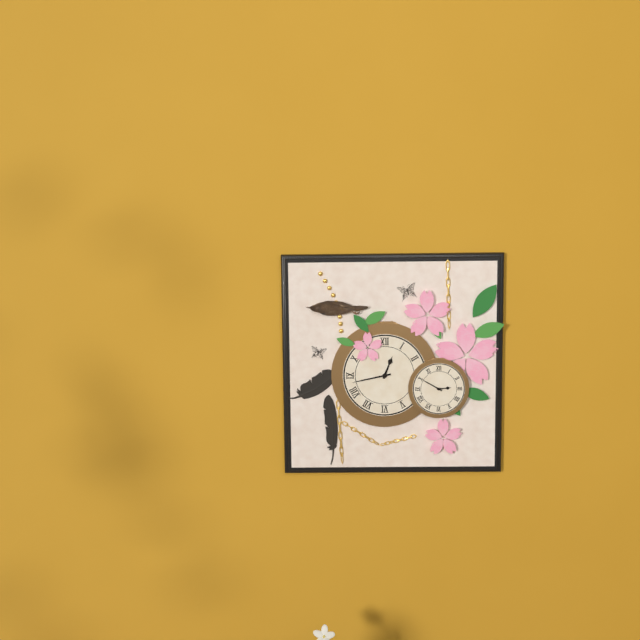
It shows 12h43
